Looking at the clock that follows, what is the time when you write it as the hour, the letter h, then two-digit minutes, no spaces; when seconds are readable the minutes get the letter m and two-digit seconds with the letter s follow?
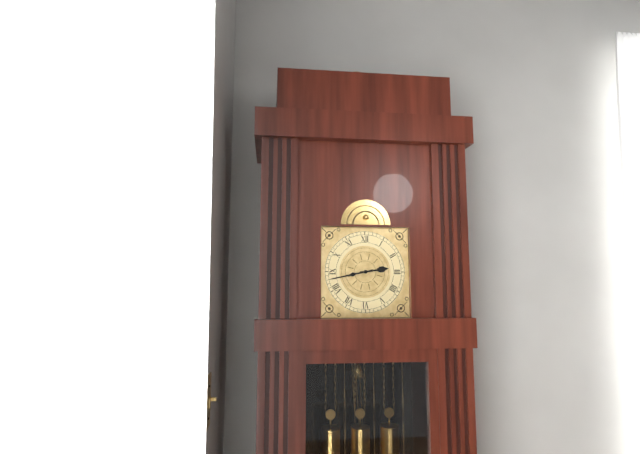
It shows 2h43
